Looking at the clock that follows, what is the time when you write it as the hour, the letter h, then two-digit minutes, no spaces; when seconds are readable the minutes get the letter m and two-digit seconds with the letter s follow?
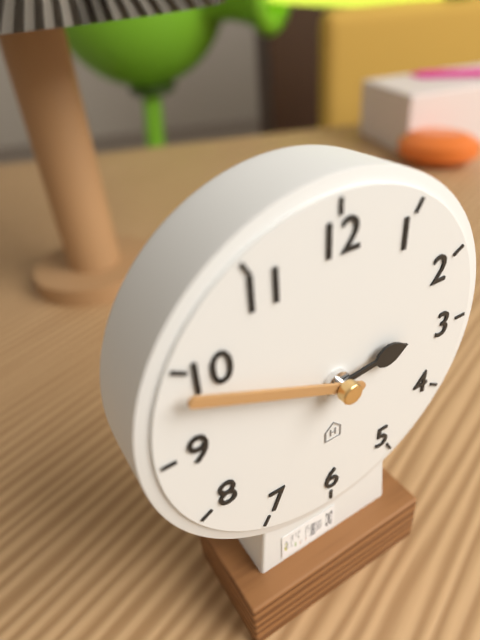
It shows 2h49
